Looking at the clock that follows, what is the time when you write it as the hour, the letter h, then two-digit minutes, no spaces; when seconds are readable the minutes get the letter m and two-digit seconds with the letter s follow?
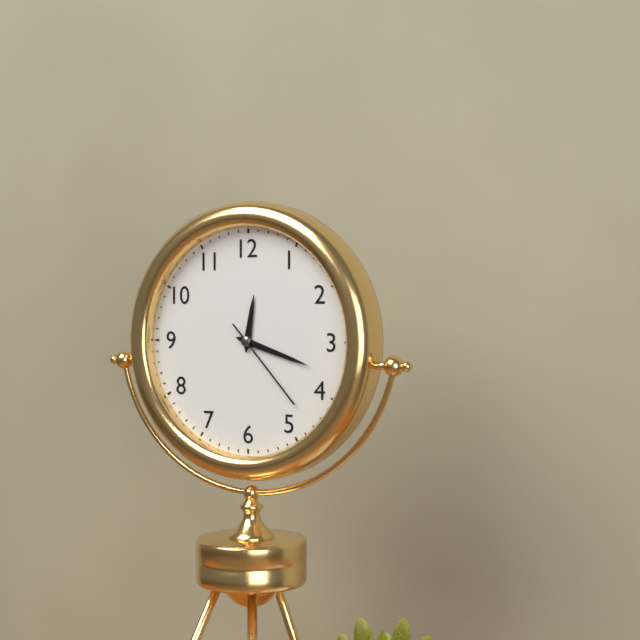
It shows 12h18m23s
